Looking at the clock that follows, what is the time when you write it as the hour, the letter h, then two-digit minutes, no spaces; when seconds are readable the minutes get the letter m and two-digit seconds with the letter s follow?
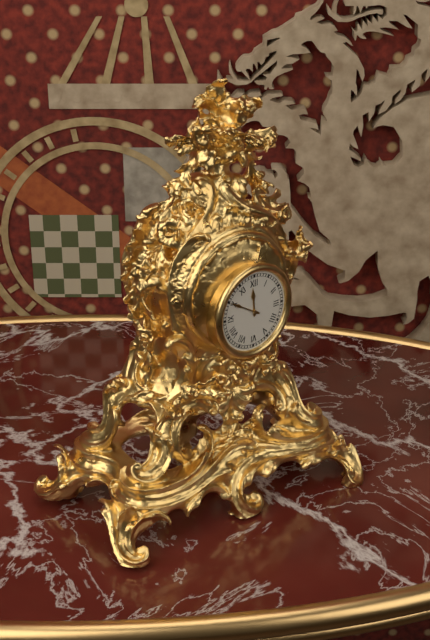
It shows 11h50
